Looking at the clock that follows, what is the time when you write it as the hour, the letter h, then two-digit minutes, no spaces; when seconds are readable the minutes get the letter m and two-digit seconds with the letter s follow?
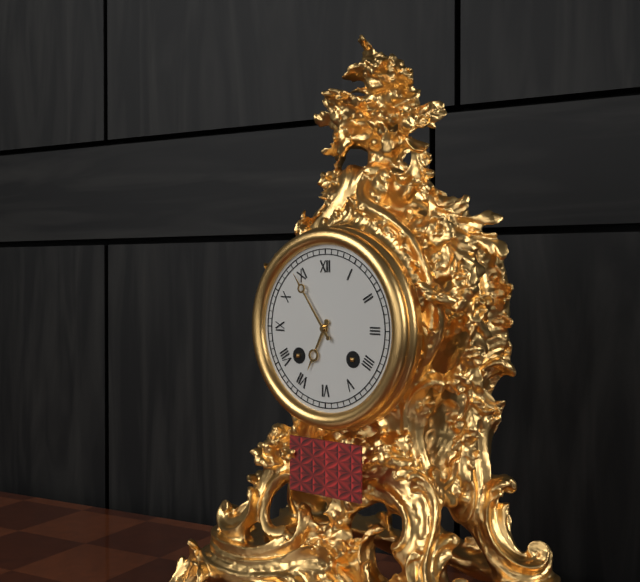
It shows 6h54
